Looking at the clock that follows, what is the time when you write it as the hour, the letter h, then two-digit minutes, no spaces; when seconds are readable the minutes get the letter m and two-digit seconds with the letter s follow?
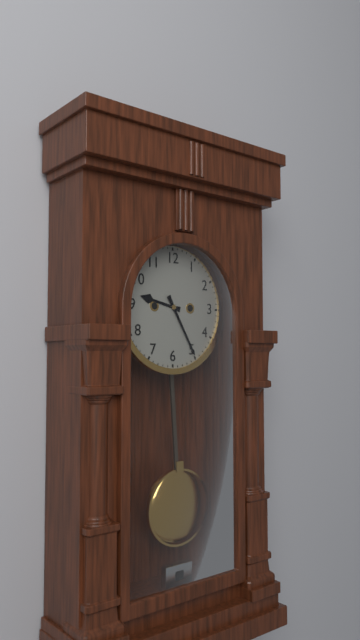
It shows 9h25
